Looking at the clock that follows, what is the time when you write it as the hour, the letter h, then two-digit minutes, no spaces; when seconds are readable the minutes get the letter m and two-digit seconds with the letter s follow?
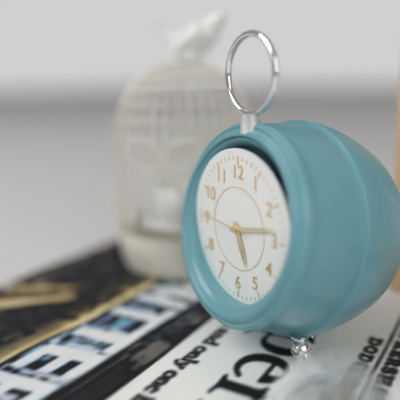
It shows 5h13
